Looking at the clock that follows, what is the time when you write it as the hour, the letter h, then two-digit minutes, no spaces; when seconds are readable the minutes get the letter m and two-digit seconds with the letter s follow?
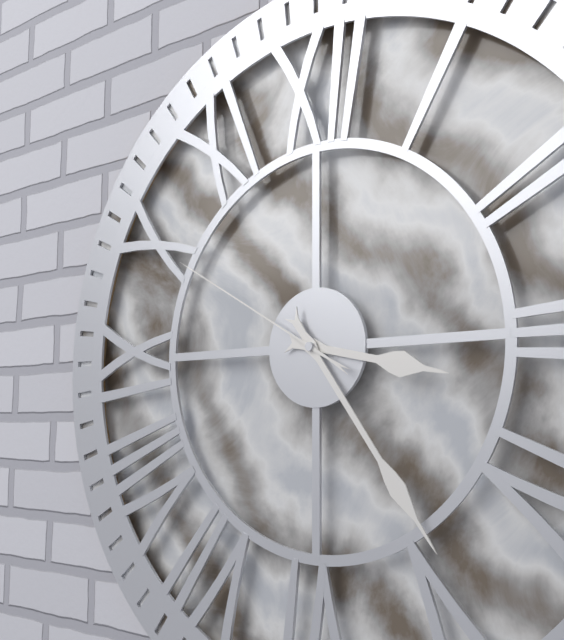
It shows 3h24m50s
